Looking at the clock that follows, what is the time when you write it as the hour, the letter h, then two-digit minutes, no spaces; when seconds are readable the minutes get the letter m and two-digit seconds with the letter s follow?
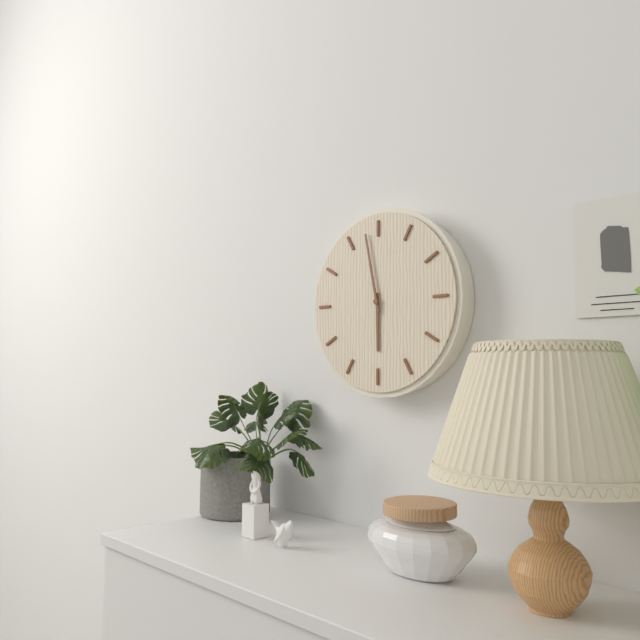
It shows 5h58
